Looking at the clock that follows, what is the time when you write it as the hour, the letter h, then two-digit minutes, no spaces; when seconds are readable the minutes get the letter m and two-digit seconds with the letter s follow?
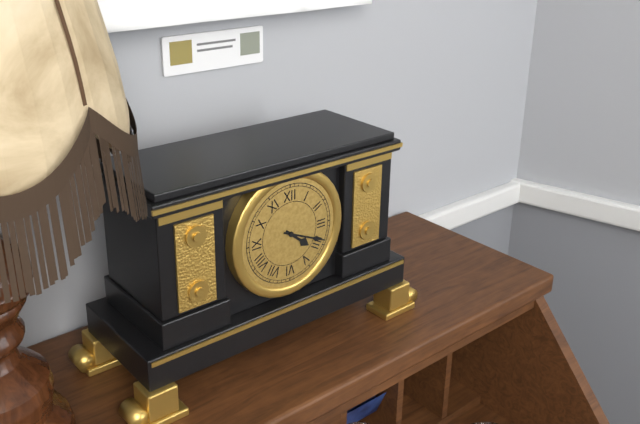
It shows 4h19
